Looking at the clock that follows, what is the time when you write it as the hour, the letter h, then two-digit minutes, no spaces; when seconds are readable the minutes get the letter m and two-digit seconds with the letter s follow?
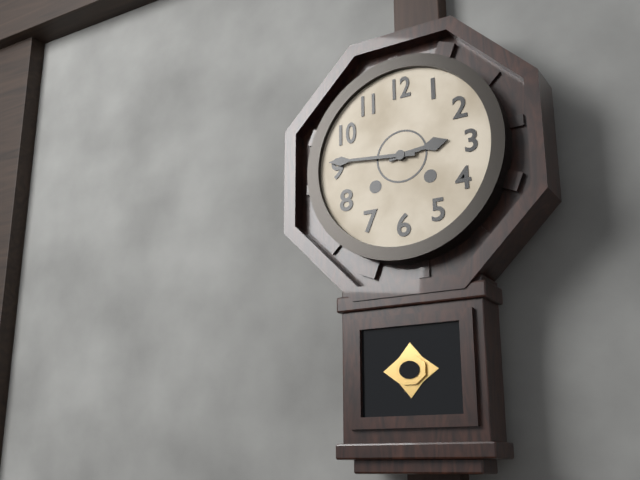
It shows 2h46
